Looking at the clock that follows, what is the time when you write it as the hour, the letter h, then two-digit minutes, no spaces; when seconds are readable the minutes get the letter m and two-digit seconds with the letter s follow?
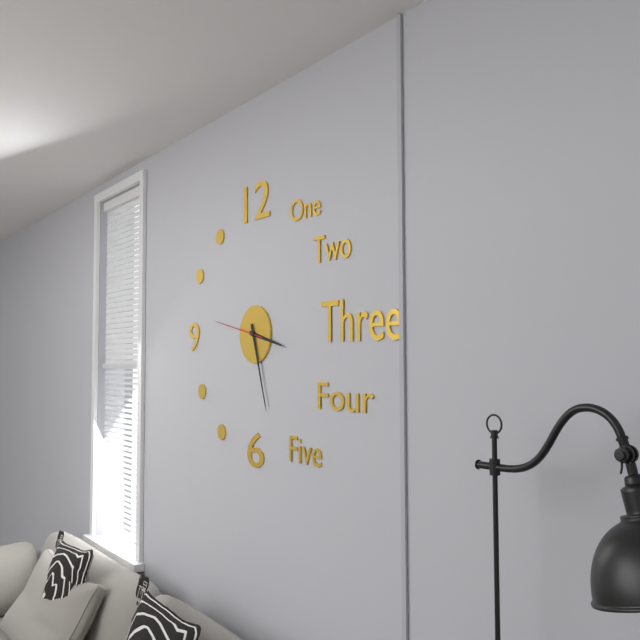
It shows 3h27m47s
